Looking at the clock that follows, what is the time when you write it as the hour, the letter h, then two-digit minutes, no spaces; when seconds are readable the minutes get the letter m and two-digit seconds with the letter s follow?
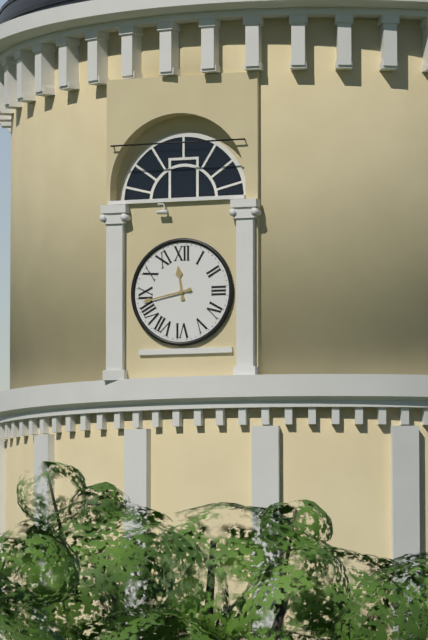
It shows 11h43
